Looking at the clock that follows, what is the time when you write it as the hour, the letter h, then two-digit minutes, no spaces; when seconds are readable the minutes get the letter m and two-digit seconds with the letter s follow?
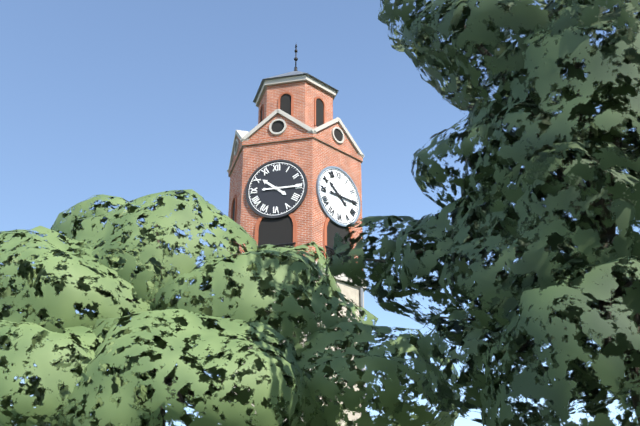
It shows 10h15
